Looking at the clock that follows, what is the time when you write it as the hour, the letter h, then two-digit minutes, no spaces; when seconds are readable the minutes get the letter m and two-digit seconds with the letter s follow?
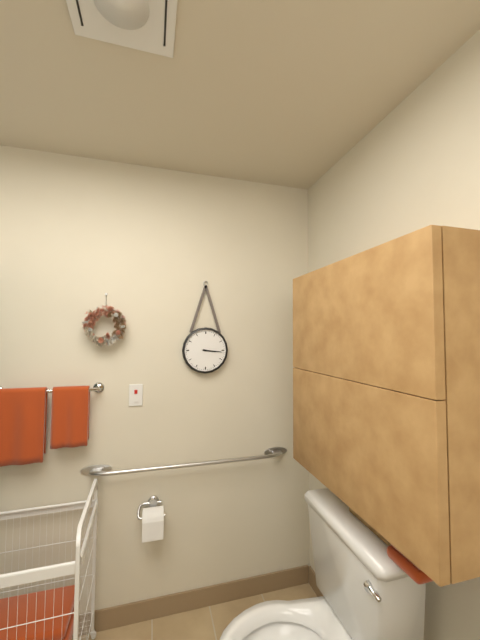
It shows 3h16
